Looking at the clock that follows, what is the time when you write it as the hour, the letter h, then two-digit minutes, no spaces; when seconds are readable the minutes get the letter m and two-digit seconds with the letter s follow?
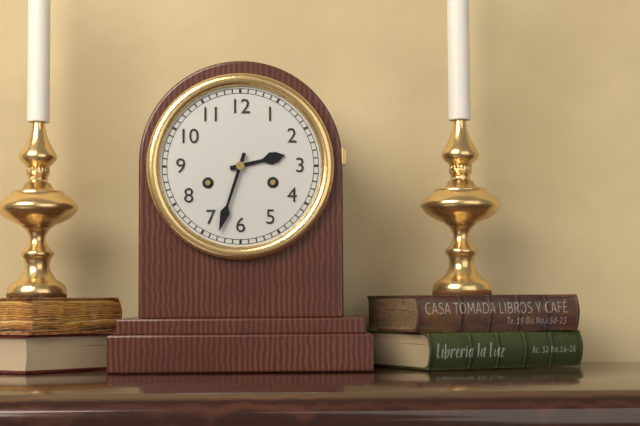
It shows 2h33
